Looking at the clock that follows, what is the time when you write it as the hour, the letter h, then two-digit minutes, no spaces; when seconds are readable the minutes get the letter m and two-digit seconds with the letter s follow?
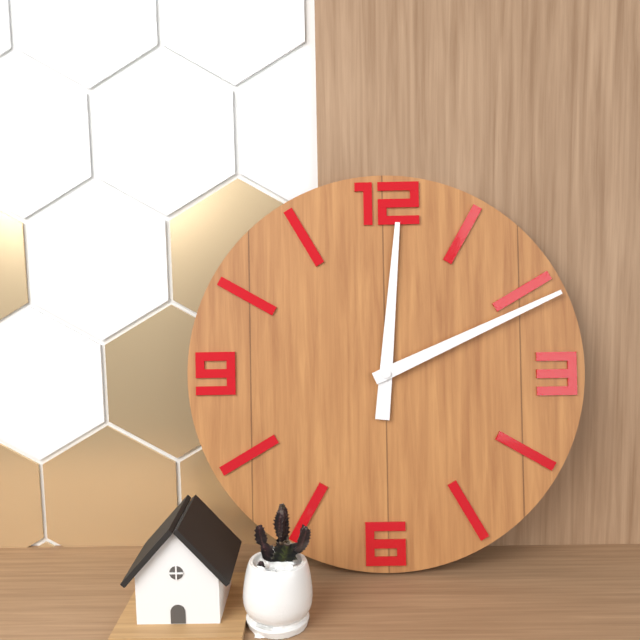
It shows 12h11
